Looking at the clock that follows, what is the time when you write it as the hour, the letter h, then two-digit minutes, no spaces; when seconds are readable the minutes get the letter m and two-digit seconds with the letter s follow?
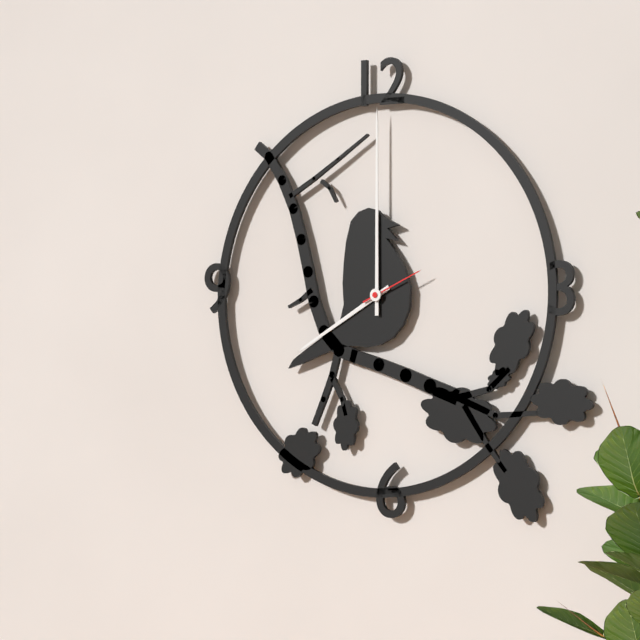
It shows 8h00m11s
